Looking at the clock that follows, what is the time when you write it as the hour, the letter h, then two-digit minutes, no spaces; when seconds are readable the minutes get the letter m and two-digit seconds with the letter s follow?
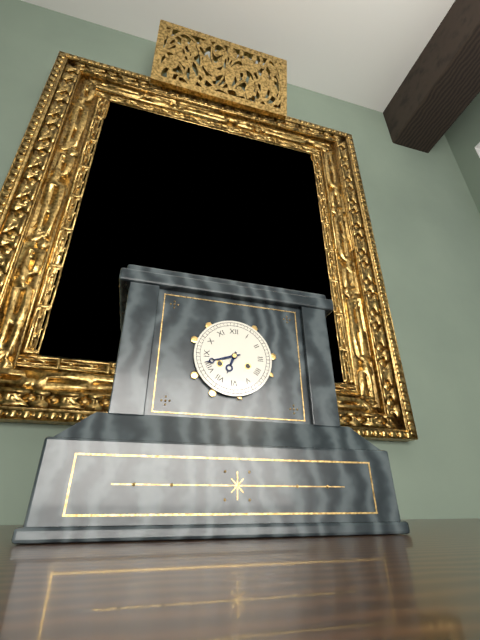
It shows 6h42
